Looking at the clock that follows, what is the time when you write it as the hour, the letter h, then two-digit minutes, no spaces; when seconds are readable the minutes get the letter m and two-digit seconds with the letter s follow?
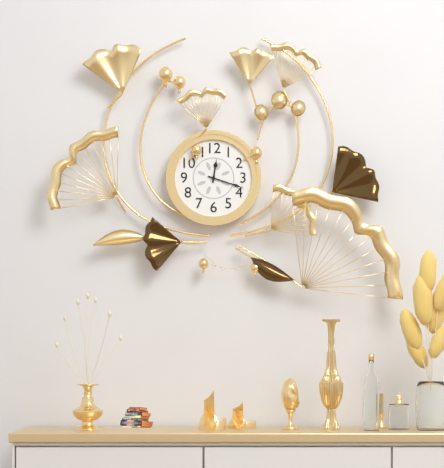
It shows 12h18
